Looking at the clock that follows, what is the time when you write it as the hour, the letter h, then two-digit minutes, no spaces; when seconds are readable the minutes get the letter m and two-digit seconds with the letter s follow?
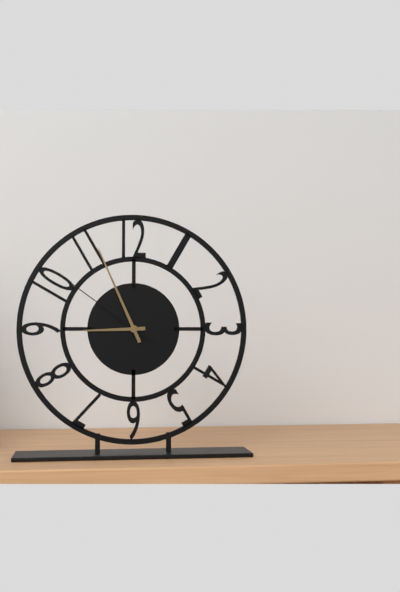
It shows 8h56m51s
